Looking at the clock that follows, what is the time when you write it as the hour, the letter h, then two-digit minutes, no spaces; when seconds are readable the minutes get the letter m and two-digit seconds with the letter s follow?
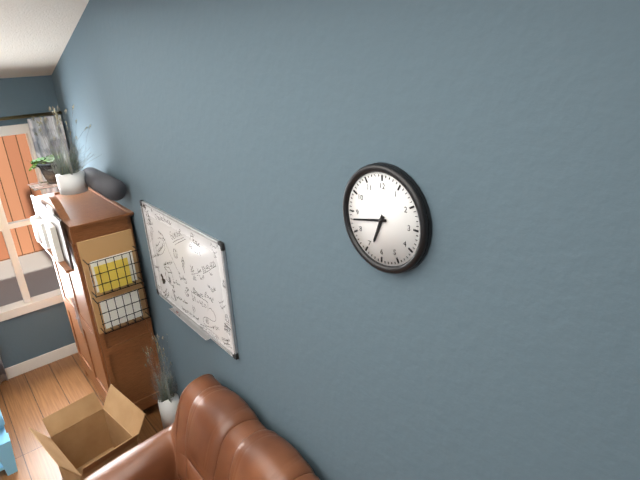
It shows 6h43
